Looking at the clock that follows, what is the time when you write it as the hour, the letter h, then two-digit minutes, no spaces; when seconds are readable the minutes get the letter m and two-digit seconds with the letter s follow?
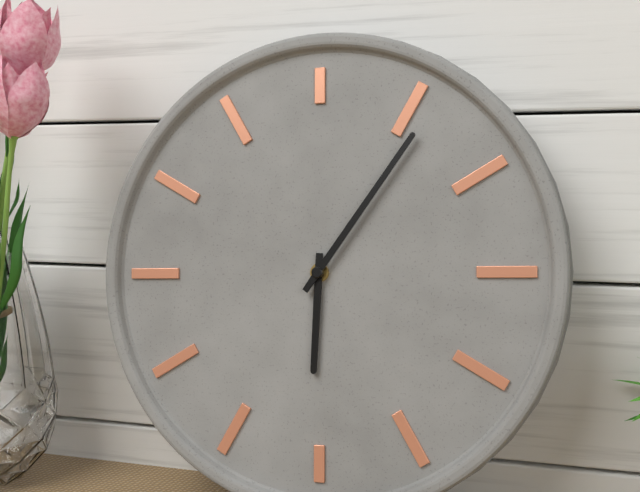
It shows 6h06
